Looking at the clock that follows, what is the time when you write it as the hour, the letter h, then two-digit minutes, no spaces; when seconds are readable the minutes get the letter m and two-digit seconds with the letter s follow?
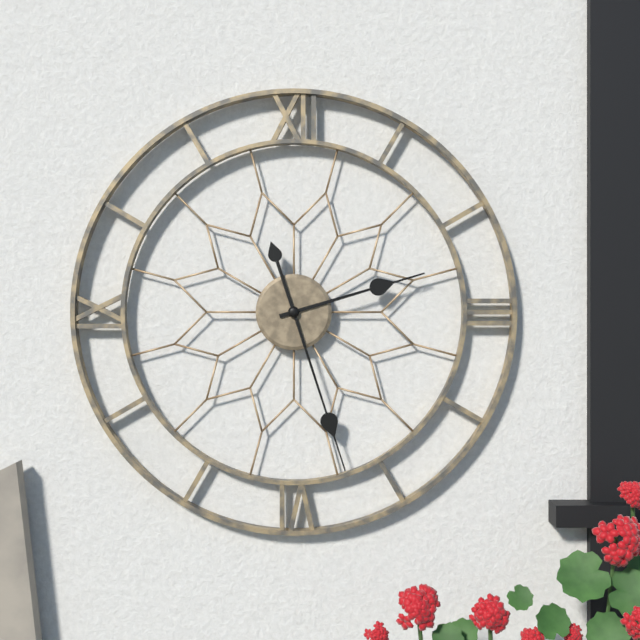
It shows 2h27
